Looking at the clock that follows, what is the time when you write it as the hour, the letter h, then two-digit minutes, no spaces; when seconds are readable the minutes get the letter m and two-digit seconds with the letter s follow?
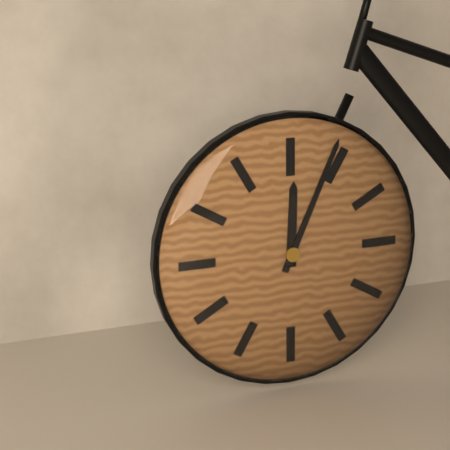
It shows 12h04
